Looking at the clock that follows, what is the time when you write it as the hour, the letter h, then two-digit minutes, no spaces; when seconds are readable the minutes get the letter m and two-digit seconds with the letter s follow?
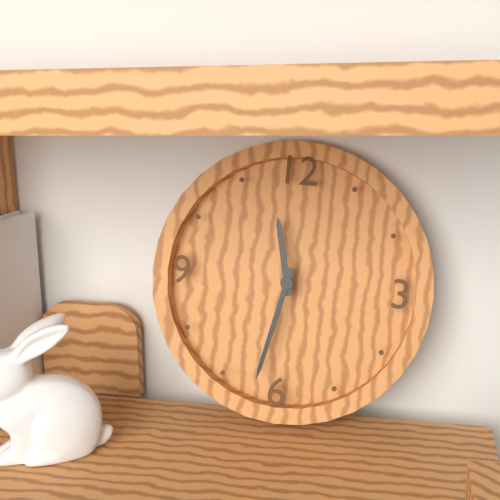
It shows 11h32
